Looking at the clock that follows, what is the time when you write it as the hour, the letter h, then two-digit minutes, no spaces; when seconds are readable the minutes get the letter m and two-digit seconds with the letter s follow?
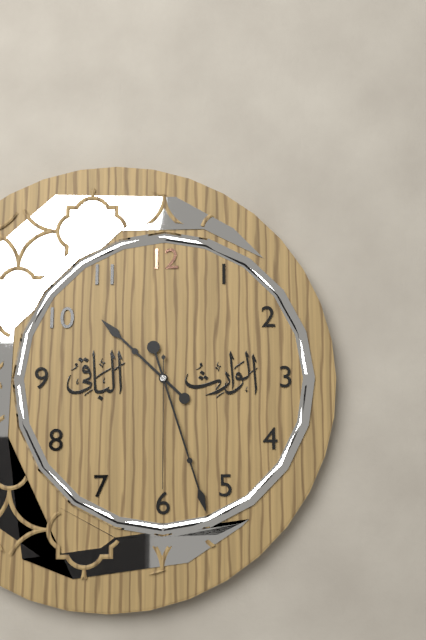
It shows 10h27m30s
